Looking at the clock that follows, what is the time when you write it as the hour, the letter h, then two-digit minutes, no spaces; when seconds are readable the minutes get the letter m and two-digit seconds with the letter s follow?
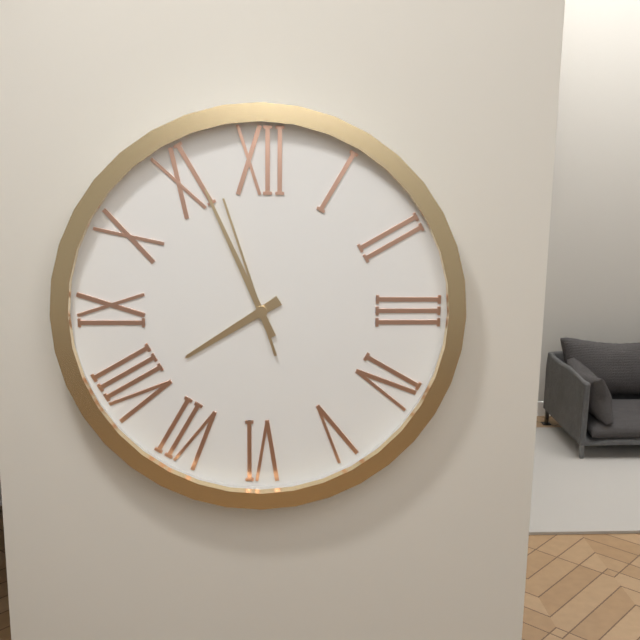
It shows 7h56m57s
